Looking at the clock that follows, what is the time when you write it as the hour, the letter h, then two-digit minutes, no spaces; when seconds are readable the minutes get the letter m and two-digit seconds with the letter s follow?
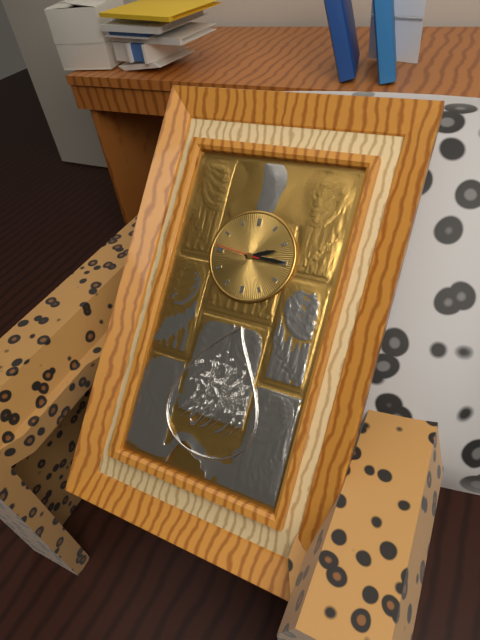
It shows 2h15m46s
